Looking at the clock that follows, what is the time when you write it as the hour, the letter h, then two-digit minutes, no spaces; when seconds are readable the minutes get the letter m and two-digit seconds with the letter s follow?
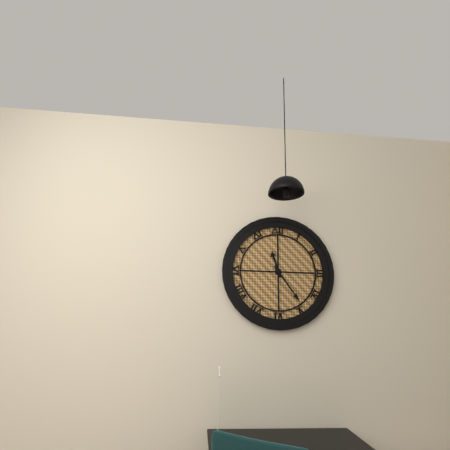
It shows 11h24
